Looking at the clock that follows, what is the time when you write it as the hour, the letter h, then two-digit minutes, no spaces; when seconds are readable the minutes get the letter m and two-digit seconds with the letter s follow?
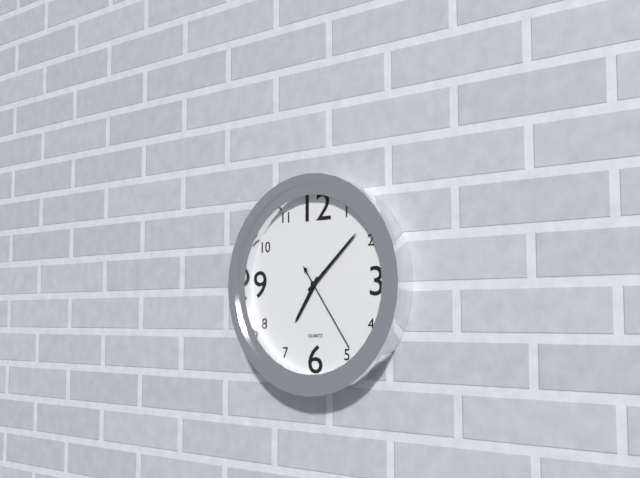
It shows 7h08m24s
